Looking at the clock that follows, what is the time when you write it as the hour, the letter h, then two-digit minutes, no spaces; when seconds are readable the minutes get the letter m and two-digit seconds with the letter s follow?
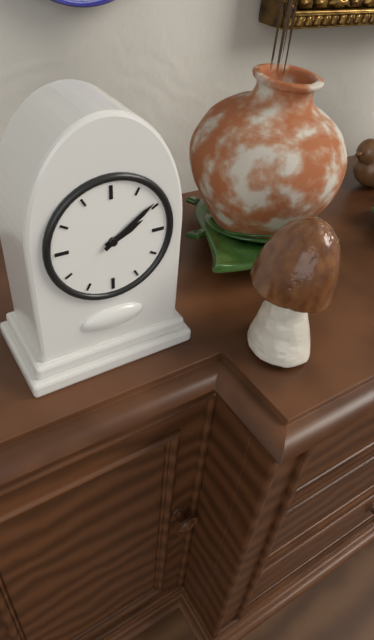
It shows 2h09
